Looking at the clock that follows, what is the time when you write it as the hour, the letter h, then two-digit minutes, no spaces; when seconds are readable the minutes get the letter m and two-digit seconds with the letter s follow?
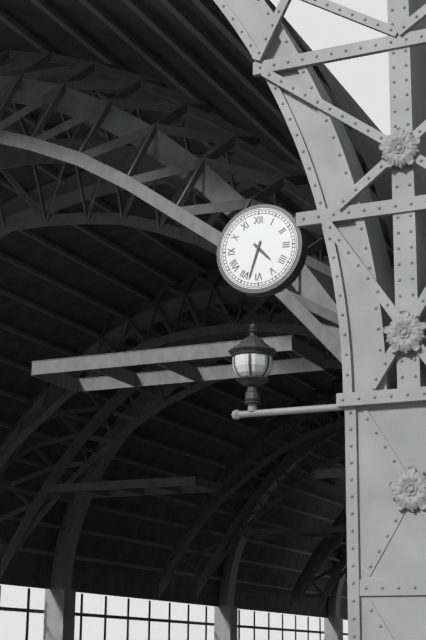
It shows 4h33
